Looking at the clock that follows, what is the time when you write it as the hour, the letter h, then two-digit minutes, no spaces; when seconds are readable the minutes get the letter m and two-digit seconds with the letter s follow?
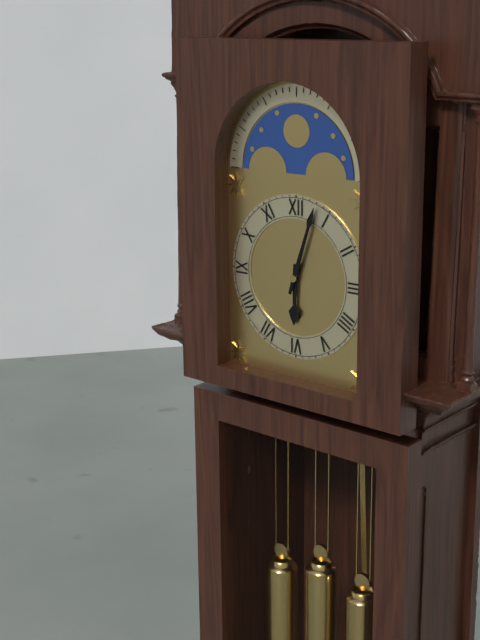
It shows 6h03
